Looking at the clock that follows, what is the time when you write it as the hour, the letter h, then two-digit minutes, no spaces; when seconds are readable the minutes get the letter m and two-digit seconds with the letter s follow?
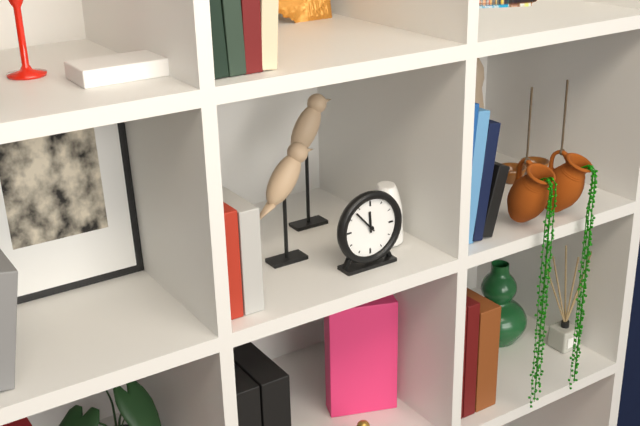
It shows 11h53
